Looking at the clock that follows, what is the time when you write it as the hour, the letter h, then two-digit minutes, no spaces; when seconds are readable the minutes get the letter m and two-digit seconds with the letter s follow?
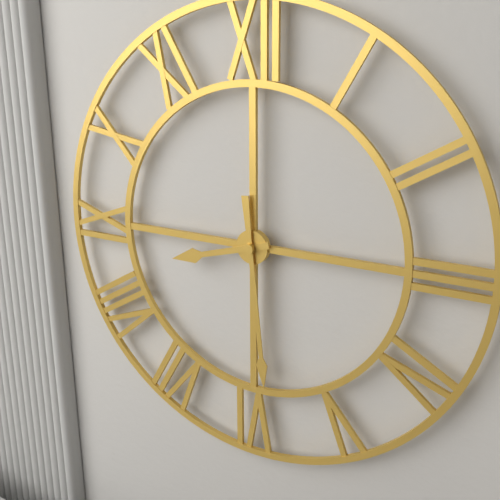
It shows 8h29
